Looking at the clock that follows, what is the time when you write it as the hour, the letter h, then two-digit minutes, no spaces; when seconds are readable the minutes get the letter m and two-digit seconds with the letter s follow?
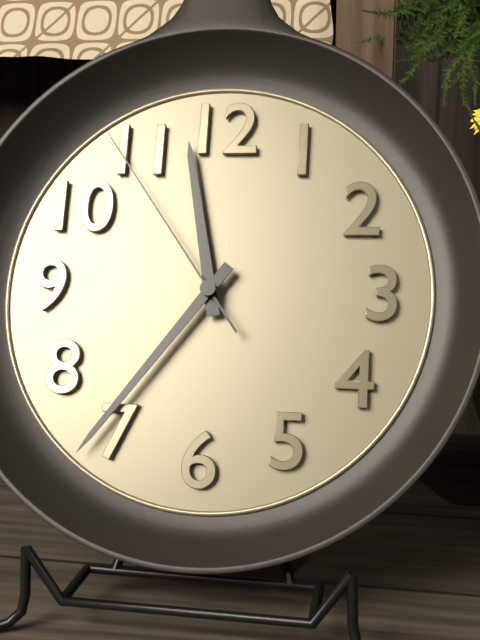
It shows 11h36m54s
